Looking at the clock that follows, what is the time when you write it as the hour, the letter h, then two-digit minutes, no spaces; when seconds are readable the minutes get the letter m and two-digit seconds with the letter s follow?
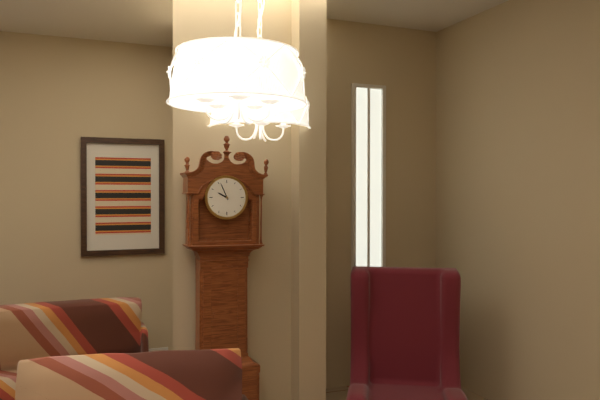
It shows 9h56
